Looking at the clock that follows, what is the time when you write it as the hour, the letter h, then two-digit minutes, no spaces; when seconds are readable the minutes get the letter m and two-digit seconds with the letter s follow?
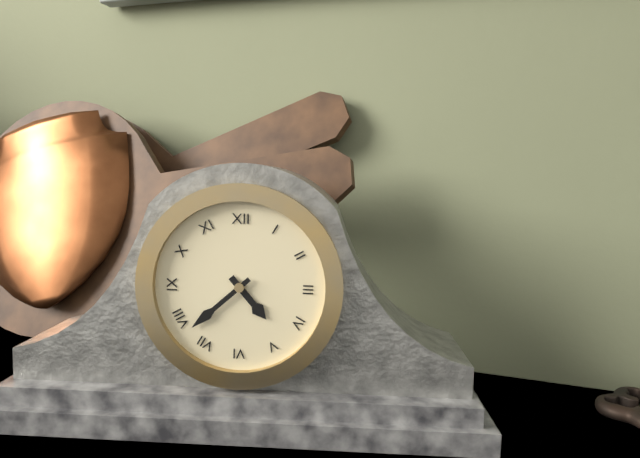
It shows 4h38
